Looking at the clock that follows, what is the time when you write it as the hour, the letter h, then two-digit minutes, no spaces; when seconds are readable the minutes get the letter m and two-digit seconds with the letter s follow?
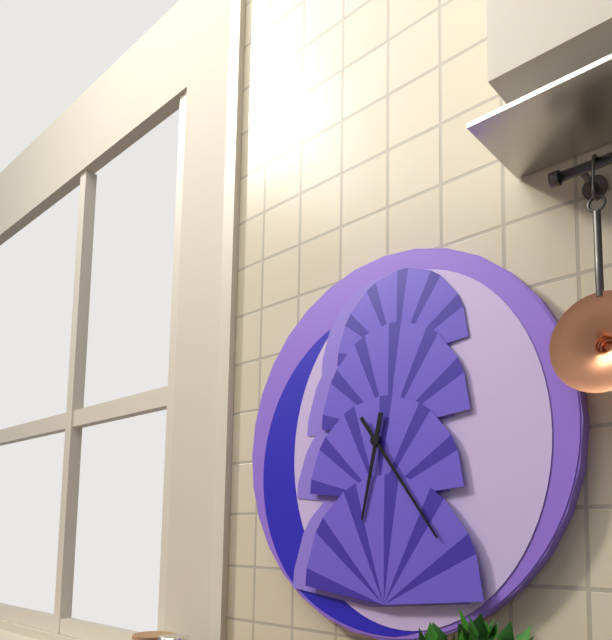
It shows 6h24
